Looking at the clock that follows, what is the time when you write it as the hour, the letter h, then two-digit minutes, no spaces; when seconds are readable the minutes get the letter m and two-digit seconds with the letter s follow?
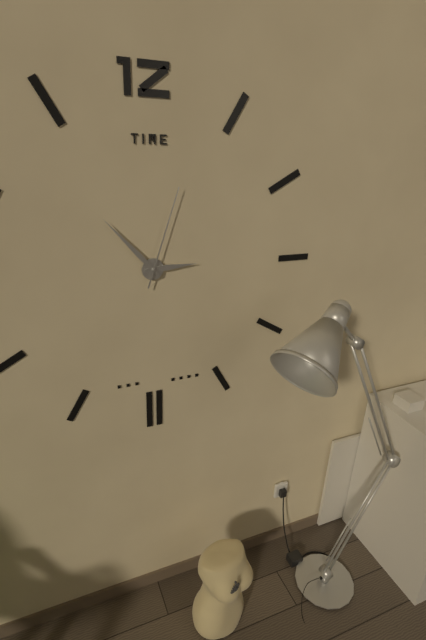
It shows 2h53m03s
